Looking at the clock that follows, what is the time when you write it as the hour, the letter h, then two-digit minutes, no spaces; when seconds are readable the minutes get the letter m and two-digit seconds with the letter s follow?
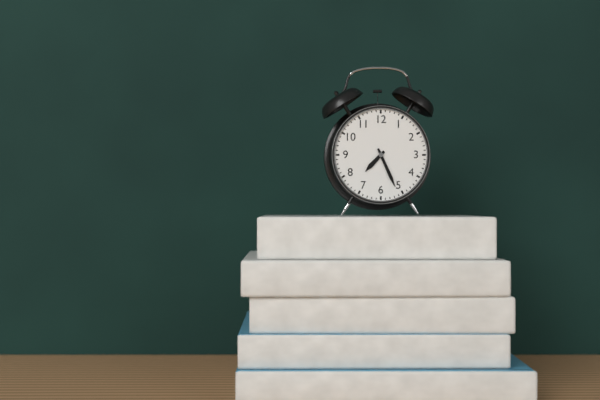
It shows 7h26
